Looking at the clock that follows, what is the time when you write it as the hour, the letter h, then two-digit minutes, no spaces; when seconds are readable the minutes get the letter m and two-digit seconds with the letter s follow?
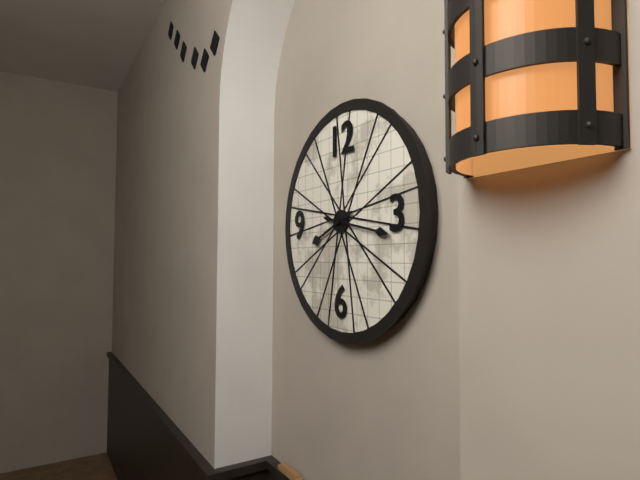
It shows 8h17
